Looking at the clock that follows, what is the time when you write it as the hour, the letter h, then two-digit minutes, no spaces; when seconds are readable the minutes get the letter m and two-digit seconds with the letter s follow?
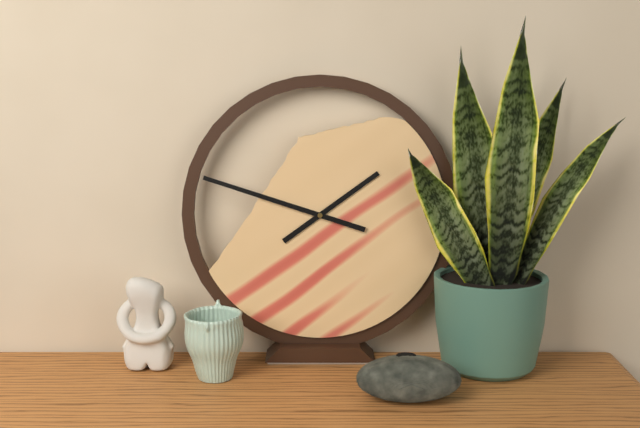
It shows 1h48
